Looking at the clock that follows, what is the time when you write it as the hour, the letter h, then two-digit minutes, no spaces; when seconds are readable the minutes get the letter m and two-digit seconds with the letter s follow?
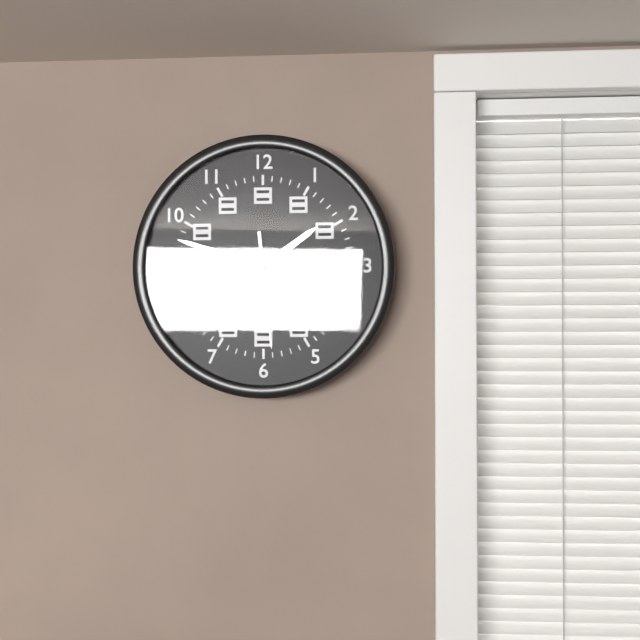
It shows 1h48m29s
